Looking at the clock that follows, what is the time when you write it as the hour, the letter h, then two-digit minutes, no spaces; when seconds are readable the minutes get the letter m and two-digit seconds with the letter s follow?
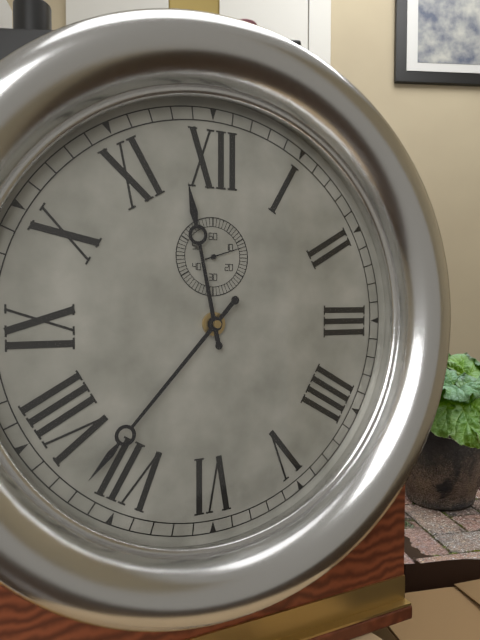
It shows 11h37
